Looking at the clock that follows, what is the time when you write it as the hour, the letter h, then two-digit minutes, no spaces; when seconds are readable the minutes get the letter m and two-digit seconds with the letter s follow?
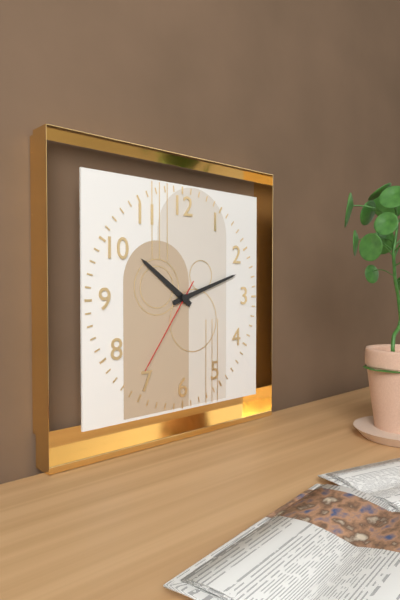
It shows 10h12m36s
